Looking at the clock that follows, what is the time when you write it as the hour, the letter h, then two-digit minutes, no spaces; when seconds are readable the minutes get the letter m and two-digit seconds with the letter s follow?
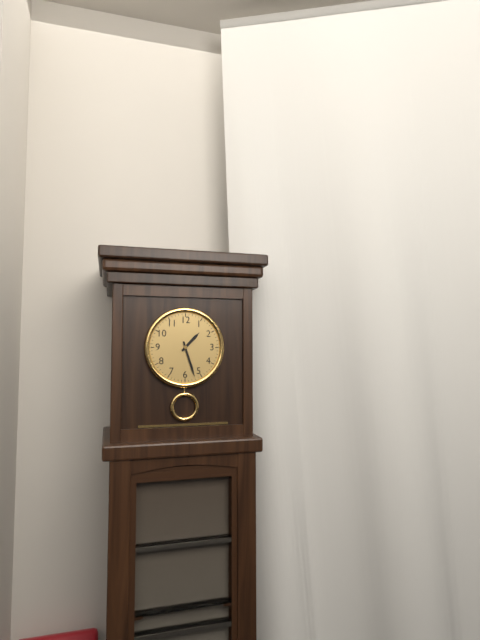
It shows 1h27
